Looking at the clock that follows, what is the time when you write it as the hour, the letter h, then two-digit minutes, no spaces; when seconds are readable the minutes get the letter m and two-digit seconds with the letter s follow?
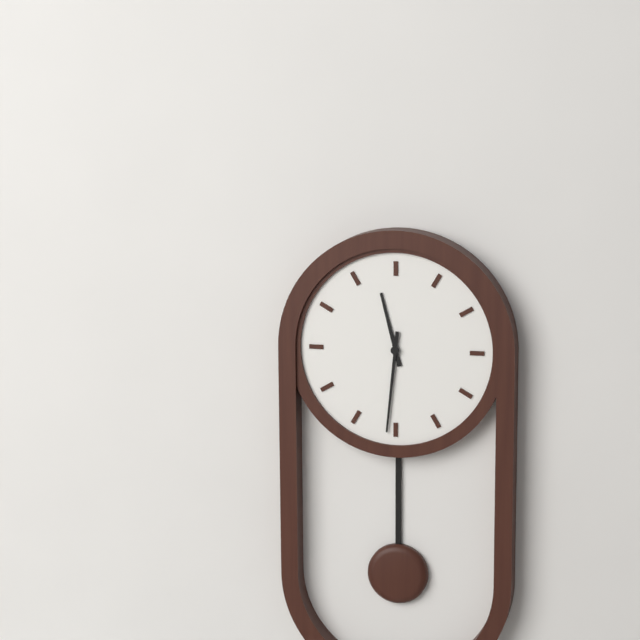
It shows 11h31
